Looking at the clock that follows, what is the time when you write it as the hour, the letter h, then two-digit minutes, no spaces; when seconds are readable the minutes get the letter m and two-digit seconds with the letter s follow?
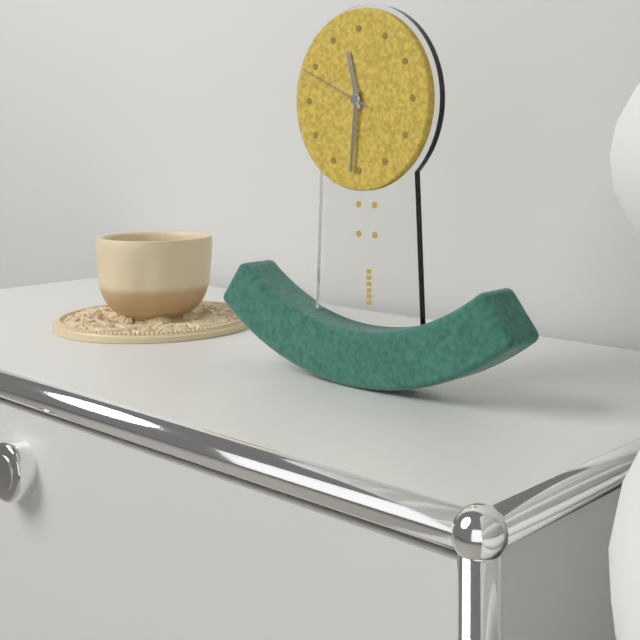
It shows 11h31m49s
